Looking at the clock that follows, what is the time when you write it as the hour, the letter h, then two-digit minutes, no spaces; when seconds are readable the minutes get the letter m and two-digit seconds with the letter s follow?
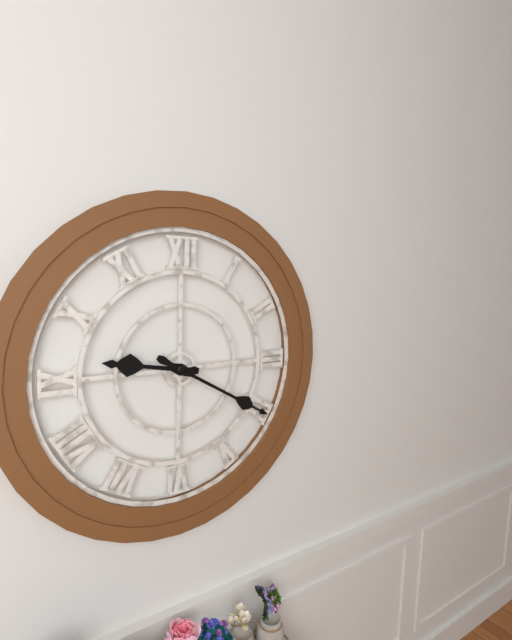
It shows 9h20
